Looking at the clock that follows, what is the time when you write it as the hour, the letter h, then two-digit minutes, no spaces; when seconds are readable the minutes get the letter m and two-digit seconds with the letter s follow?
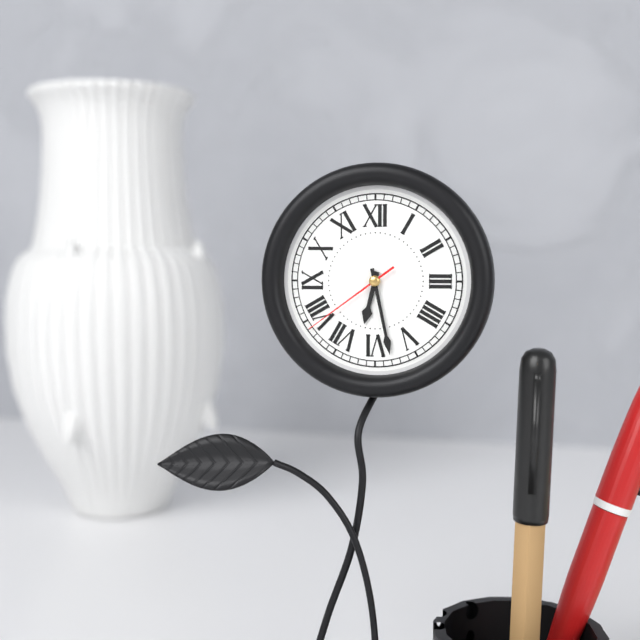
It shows 6h28m39s
